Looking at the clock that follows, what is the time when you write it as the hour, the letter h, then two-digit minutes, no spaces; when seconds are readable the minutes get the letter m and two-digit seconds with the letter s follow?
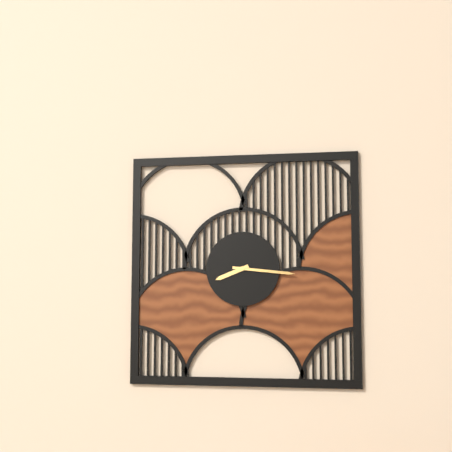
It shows 8h16
